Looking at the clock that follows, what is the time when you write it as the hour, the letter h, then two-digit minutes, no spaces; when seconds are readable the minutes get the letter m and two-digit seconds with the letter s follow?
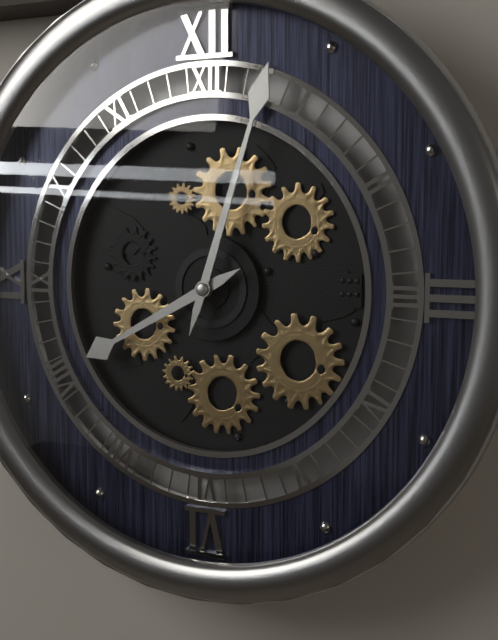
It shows 8h03
